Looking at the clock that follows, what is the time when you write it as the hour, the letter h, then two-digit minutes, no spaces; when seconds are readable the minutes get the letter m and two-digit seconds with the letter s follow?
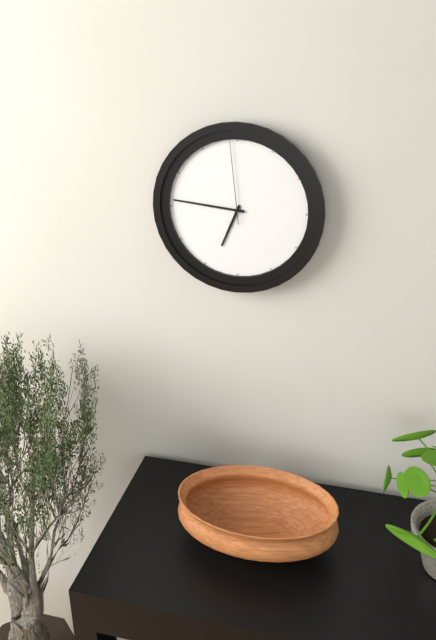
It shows 6h46m59s
